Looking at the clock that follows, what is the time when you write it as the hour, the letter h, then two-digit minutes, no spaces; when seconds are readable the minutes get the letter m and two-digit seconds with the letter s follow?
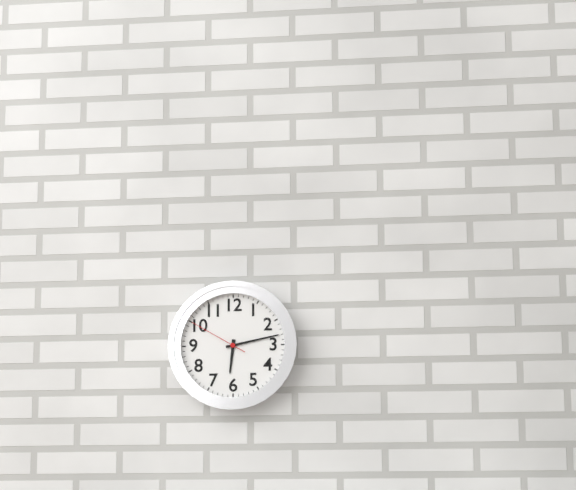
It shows 6h13m50s
